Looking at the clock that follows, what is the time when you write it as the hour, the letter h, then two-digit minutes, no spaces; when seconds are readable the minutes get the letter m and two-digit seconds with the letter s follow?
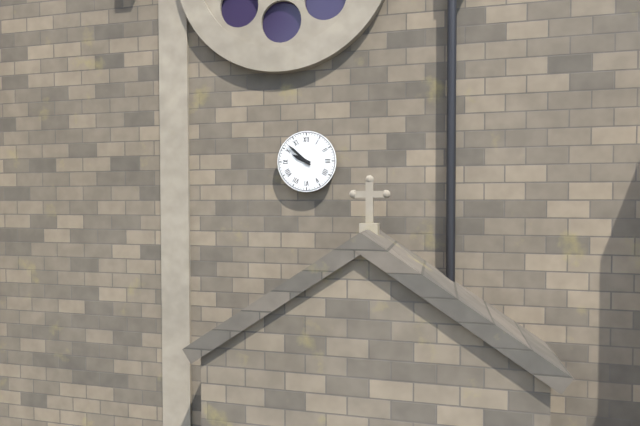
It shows 9h52
